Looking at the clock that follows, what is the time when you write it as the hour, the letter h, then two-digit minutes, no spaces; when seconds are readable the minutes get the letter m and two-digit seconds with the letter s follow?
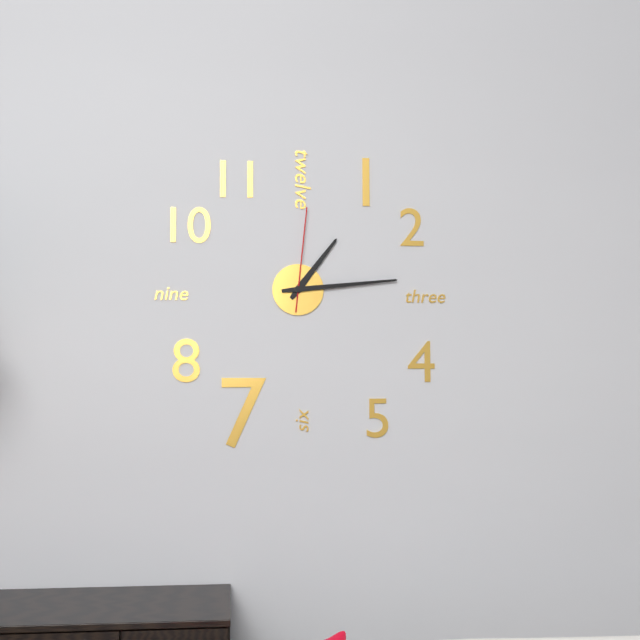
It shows 1h14m01s
